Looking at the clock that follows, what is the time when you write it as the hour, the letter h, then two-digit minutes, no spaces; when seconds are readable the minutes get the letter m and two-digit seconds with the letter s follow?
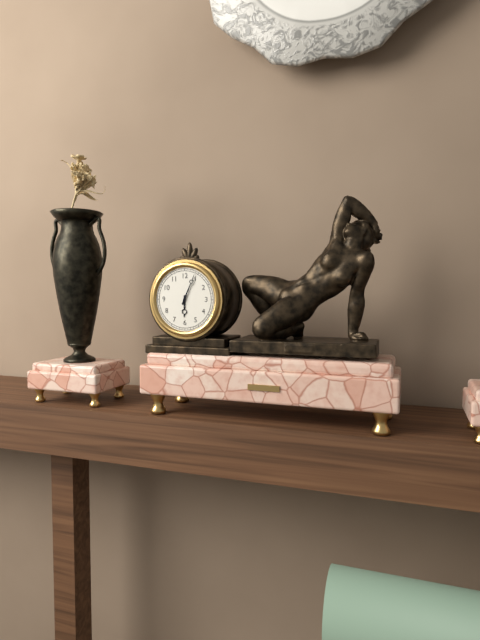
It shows 6h04
